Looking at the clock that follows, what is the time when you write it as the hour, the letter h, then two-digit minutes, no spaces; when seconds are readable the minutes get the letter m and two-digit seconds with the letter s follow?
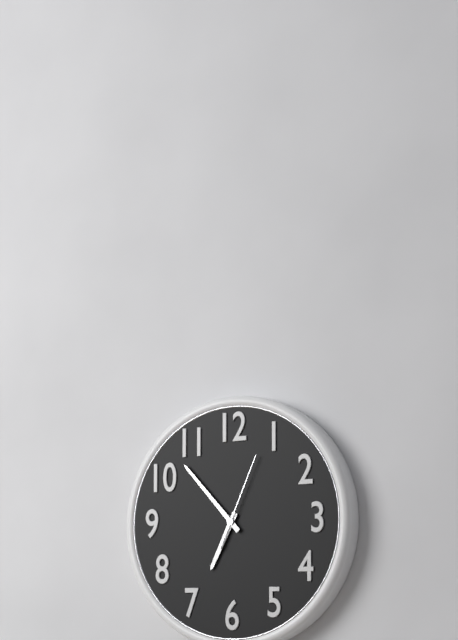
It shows 6h53m04s
